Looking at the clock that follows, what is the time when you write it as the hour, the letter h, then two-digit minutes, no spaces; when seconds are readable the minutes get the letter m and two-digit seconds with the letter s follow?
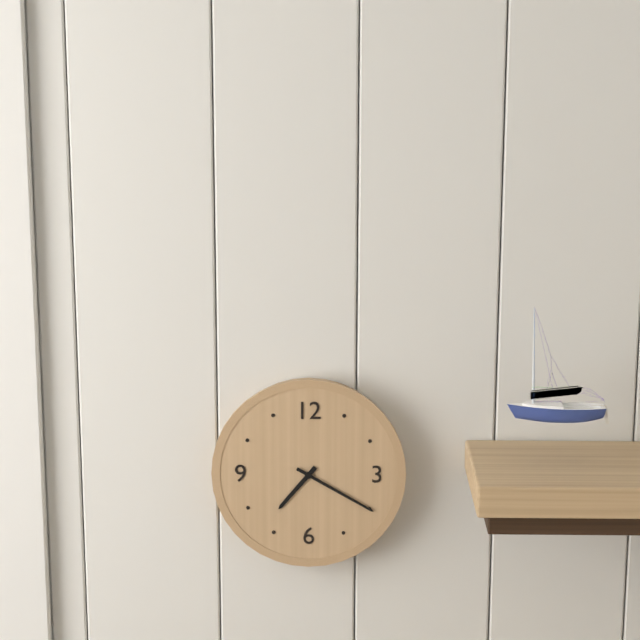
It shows 7h20
